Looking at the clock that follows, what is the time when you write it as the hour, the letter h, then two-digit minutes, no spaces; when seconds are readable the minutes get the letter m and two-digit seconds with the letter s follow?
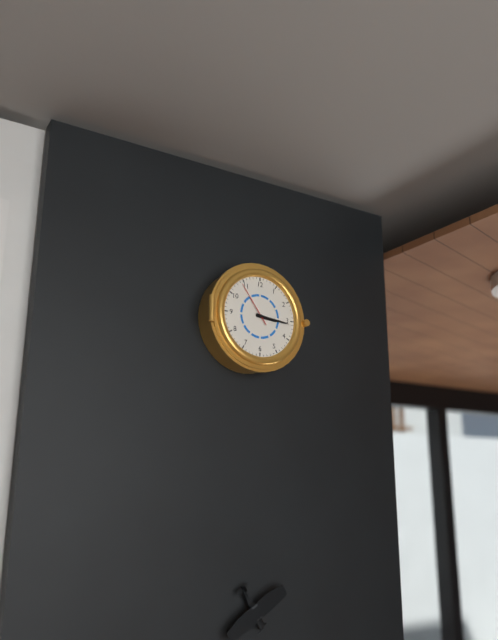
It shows 3h16
